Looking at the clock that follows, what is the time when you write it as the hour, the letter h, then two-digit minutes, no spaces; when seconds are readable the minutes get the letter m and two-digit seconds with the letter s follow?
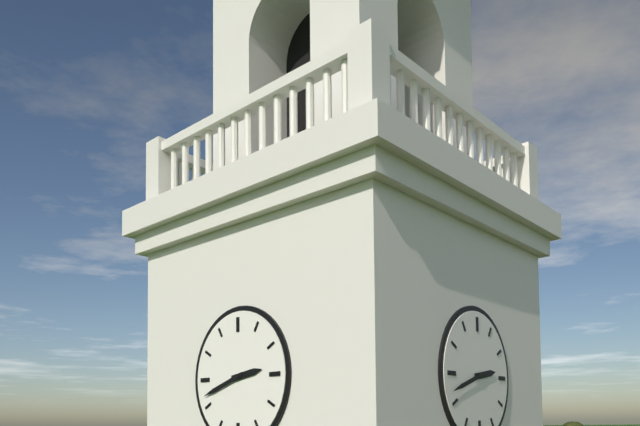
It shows 2h42
